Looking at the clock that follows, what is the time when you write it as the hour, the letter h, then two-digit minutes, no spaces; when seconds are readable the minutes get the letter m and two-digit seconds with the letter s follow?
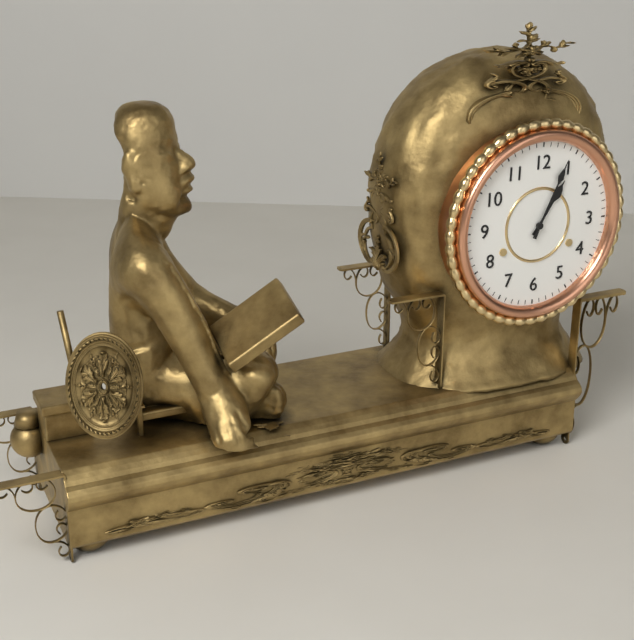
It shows 1h04
